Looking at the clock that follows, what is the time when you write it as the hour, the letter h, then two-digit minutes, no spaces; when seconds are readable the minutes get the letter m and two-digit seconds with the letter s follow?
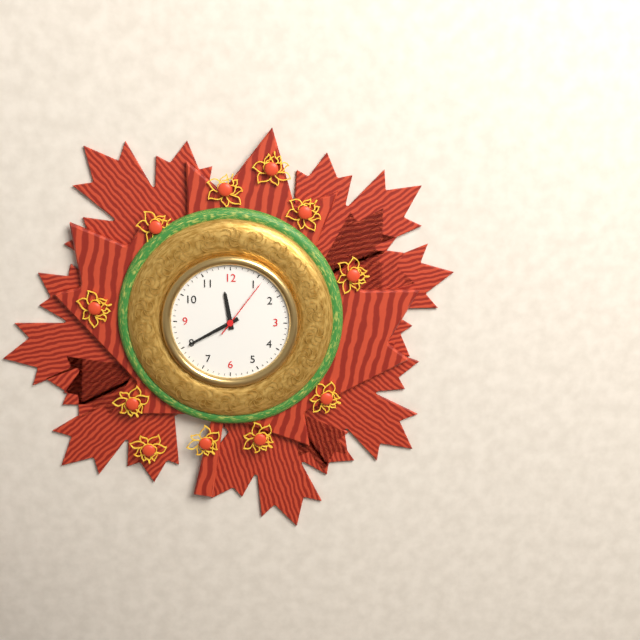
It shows 11h40m06s
